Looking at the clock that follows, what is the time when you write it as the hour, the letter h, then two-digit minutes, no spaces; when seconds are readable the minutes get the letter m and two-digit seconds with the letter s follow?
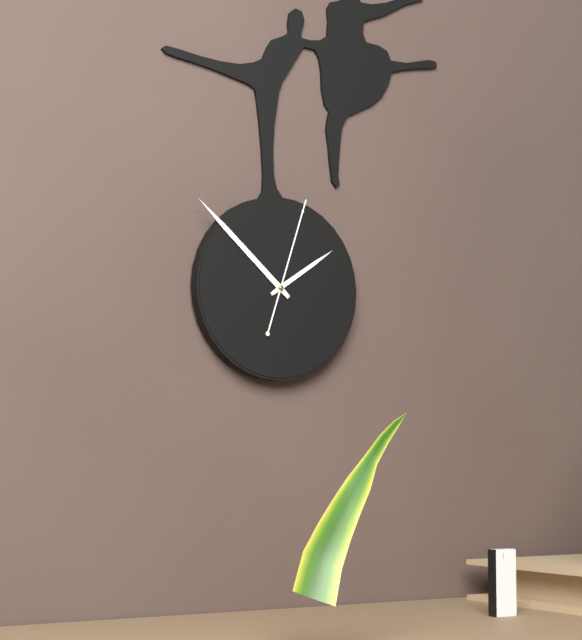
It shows 1h52m03s
